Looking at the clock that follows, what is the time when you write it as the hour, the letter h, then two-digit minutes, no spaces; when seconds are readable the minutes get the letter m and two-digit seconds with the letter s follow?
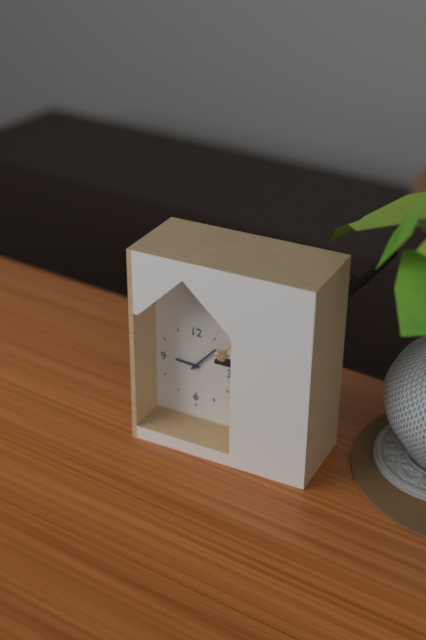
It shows 9h07
